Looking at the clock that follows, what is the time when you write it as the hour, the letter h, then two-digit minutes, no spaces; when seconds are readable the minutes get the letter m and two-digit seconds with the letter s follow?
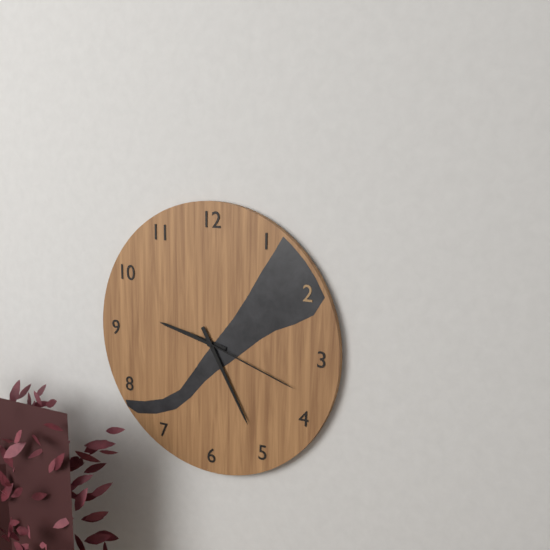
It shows 9h25m18s
